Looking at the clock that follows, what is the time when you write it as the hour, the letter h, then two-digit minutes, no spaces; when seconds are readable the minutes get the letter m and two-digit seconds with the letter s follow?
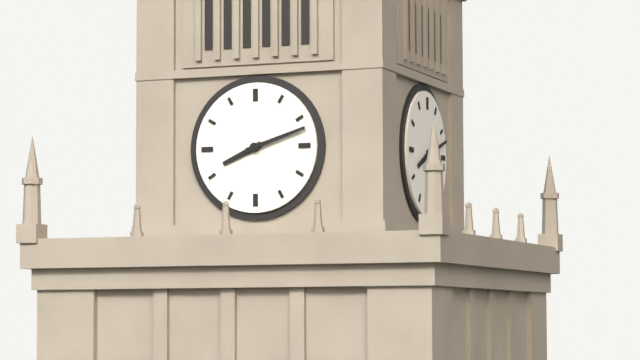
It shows 8h12
